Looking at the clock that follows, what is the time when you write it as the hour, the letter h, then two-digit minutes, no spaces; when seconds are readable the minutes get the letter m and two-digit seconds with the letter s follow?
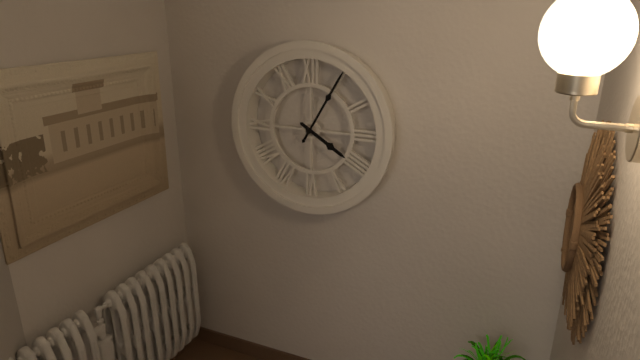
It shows 4h05
